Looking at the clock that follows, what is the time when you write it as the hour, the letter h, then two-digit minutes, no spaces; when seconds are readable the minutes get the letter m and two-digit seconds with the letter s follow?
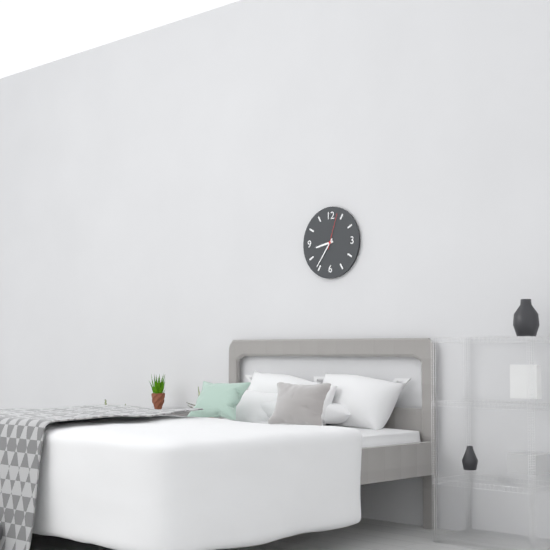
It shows 8h36
